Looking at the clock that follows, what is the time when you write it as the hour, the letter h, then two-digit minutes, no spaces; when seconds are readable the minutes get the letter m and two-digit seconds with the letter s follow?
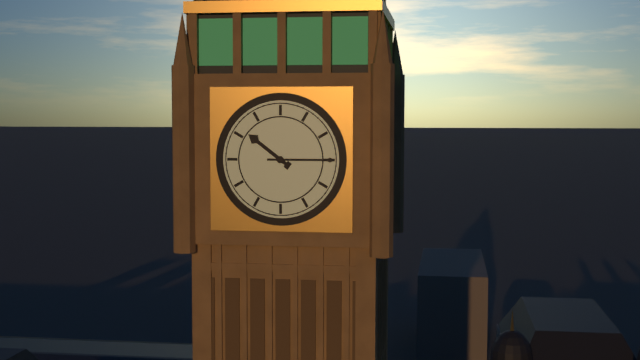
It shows 10h15
